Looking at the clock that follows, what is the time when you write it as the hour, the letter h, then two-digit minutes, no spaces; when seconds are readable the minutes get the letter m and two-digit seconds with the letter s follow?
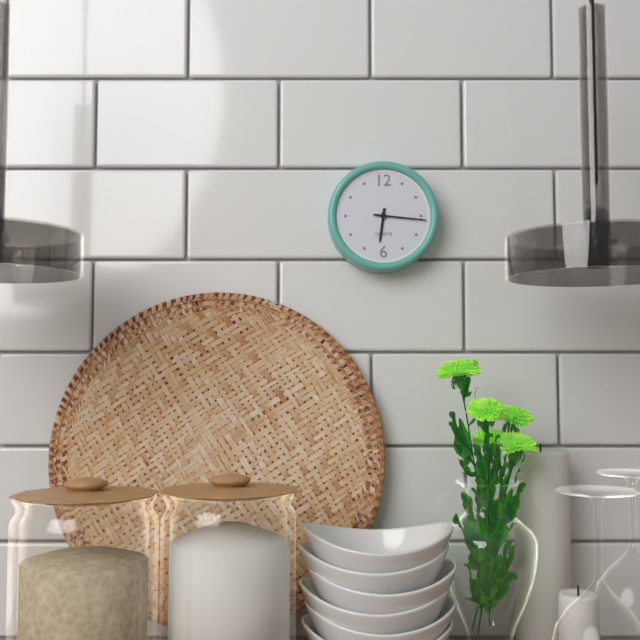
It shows 6h16
